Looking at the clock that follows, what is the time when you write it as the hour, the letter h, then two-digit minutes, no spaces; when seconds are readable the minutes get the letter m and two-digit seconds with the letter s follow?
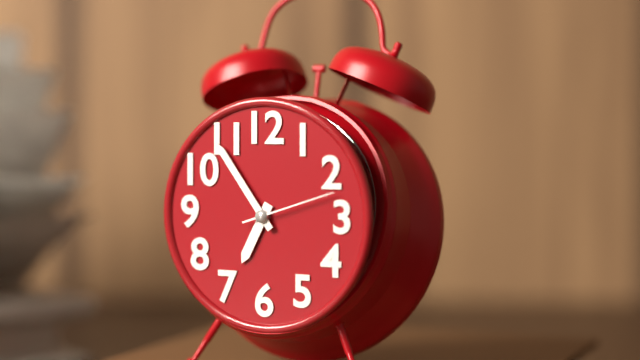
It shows 6h54m12s
